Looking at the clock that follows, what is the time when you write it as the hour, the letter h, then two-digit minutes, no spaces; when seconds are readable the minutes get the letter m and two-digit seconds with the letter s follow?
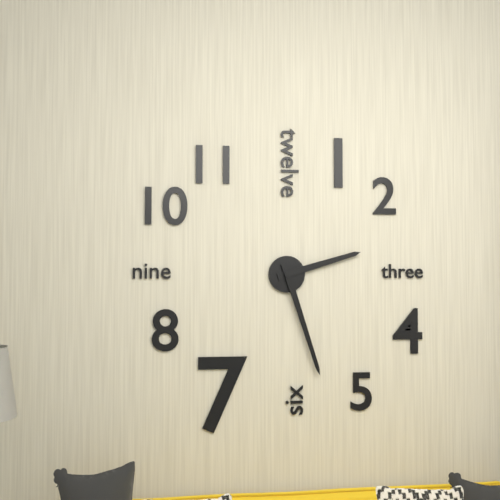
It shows 2h27
